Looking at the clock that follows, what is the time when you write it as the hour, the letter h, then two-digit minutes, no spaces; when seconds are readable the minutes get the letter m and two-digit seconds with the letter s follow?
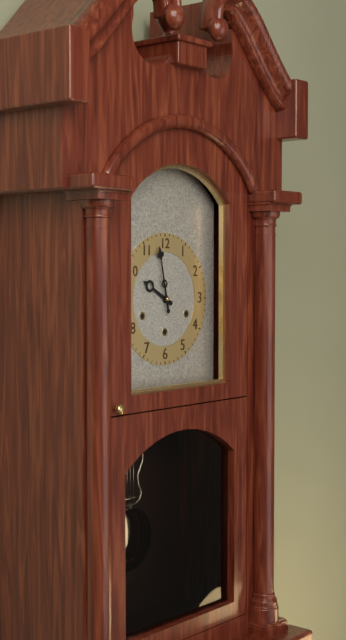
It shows 9h58
